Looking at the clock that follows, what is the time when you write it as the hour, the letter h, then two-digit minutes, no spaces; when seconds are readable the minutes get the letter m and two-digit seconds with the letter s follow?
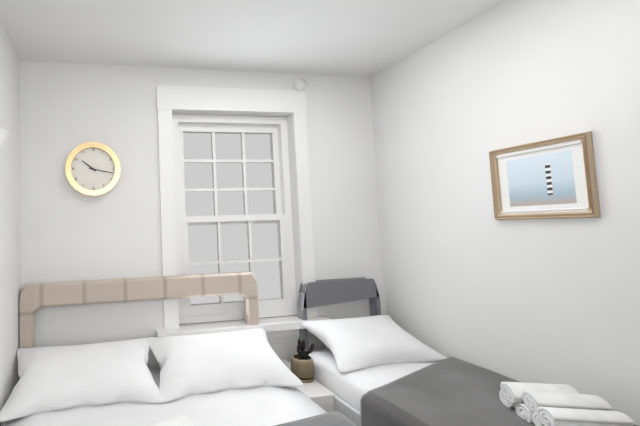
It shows 10h17
